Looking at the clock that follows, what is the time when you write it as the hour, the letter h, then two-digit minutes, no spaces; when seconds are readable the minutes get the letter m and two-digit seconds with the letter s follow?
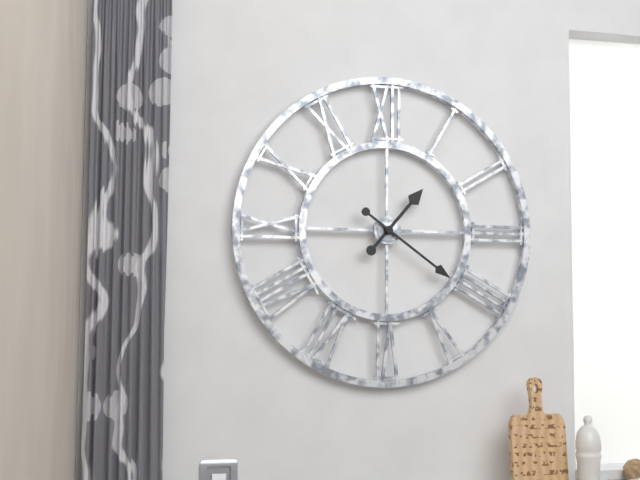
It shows 1h21
